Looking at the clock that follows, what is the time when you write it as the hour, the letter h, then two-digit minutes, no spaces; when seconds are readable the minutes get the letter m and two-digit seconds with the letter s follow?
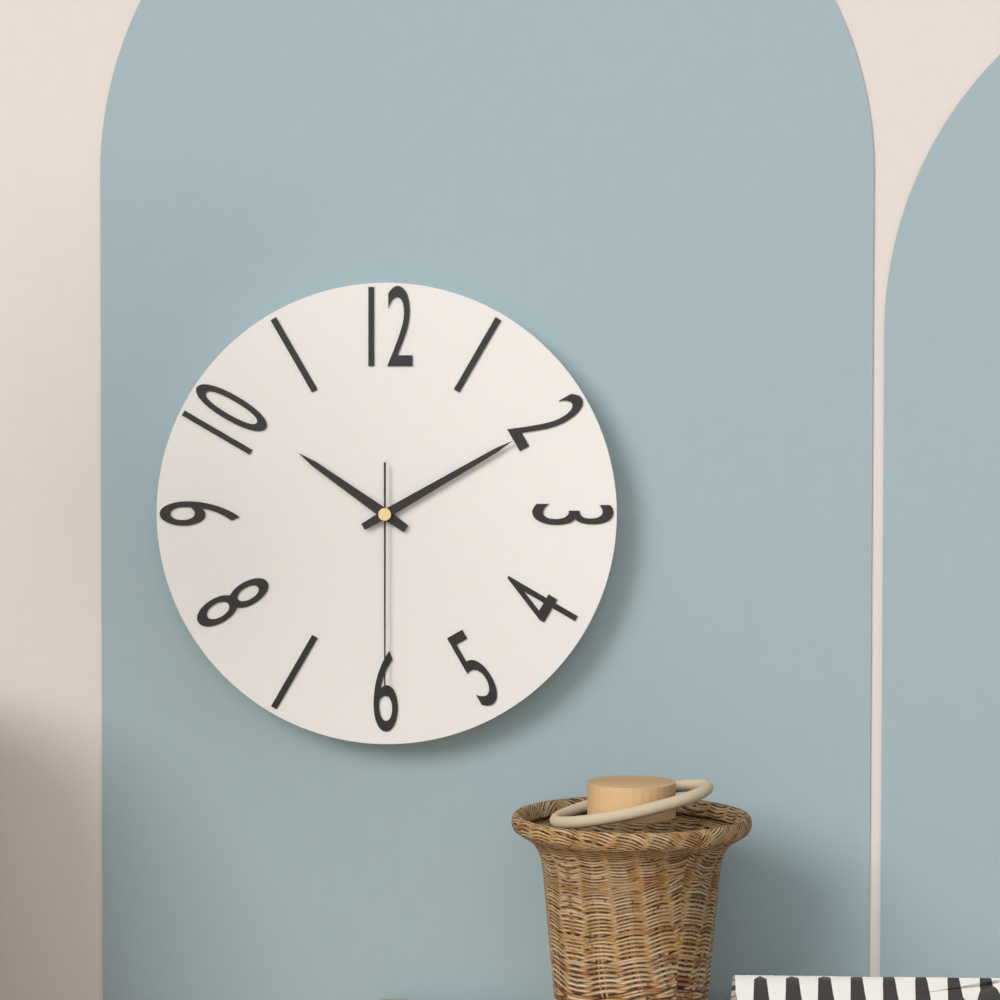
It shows 10h10m30s
